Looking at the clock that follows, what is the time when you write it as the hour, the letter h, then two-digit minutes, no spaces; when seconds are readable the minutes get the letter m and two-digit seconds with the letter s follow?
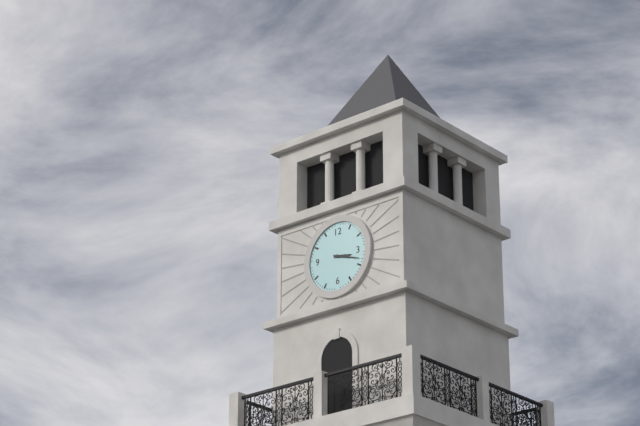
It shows 3h18
